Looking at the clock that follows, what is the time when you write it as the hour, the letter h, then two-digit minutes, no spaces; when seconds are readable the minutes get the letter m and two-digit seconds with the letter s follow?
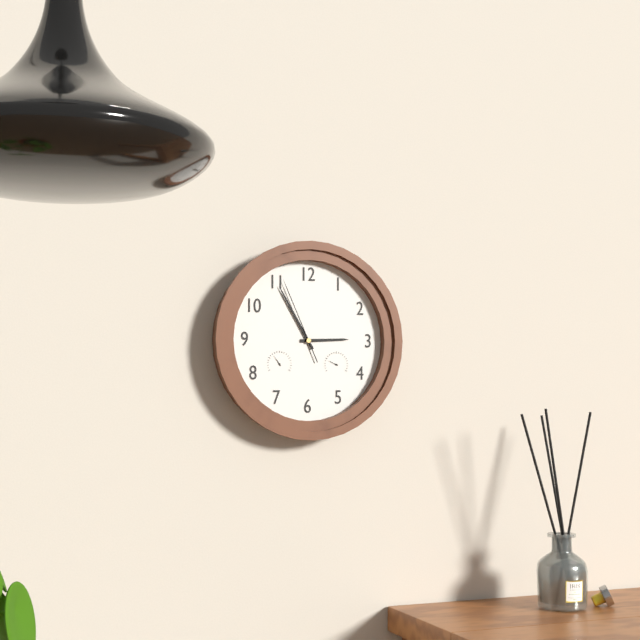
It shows 2h55m56s
